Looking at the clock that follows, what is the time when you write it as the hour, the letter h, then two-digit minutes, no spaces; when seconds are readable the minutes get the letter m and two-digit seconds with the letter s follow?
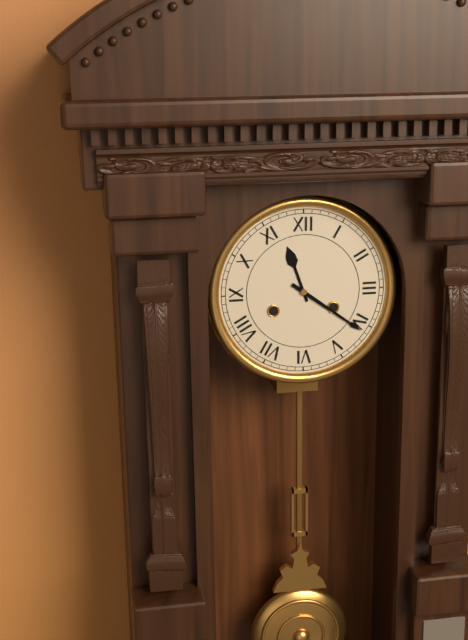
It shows 11h21
